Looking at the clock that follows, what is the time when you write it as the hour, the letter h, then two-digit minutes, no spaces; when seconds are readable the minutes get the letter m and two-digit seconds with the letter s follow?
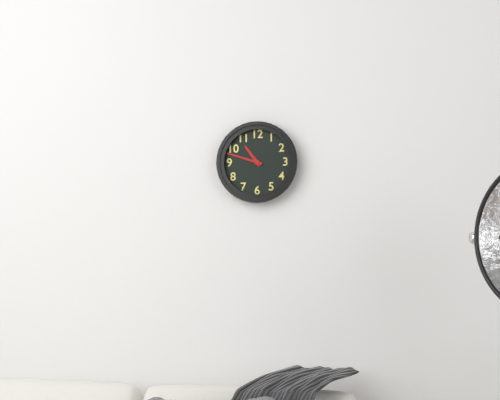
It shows 10h48
